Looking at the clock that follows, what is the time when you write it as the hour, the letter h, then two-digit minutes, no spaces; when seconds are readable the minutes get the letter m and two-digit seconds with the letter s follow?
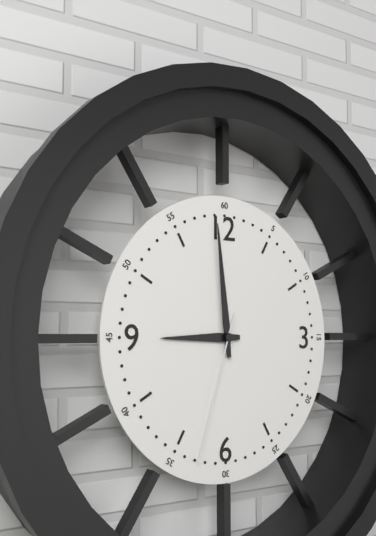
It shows 8h59m33s
